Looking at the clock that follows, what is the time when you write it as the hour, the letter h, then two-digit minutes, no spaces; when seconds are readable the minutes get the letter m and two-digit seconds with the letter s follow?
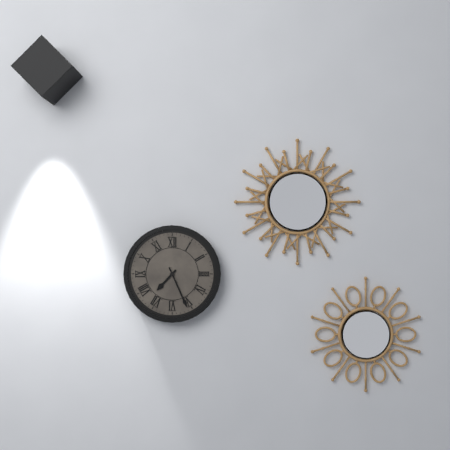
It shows 7h26
